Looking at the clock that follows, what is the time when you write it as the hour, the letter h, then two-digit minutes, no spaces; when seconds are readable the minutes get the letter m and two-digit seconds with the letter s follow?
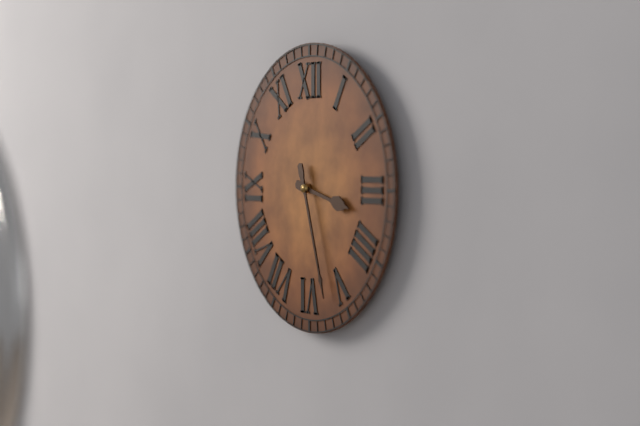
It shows 3h27
